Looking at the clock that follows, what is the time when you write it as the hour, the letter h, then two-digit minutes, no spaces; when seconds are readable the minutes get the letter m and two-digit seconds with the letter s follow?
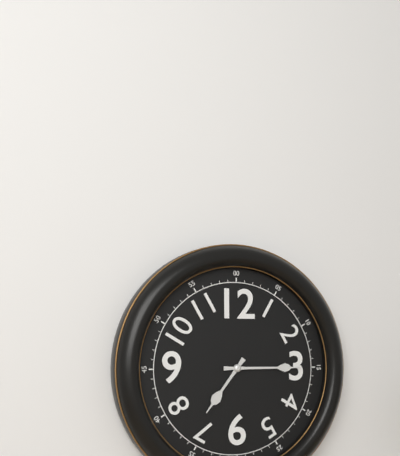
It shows 7h15
